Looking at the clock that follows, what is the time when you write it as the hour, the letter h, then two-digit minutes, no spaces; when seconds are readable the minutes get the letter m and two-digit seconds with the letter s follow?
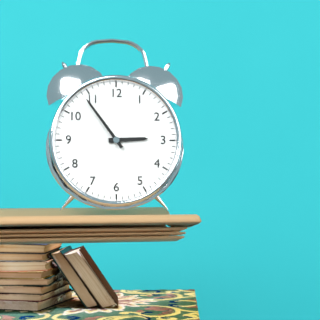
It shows 2h54
